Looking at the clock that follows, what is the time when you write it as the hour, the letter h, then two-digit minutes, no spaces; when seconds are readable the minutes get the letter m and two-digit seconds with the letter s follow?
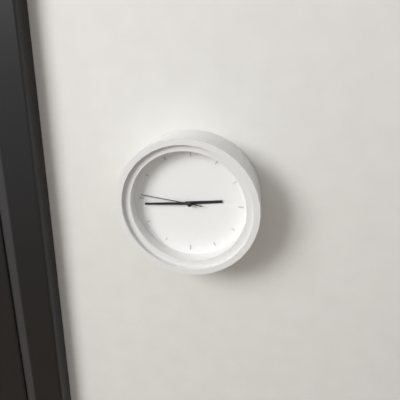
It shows 2h44m46s
